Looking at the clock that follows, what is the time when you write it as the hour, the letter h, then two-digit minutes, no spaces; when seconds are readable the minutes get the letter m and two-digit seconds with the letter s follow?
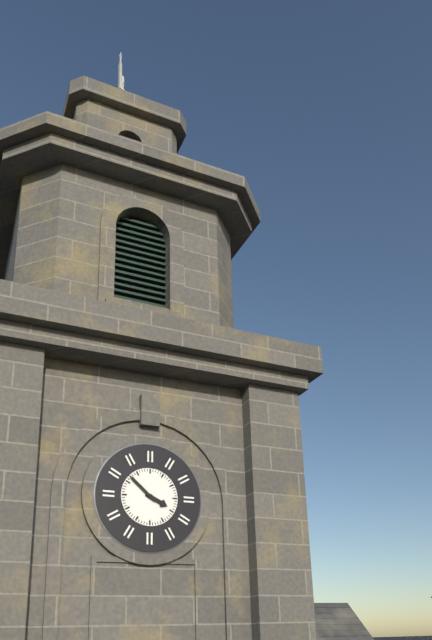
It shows 3h52
